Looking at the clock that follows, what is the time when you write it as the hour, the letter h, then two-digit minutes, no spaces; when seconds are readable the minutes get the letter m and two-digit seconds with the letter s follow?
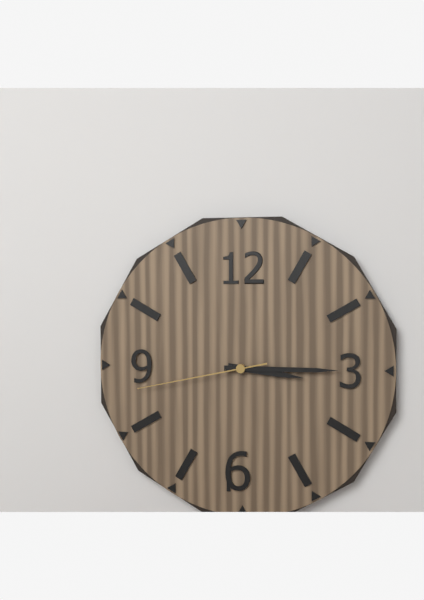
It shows 3h15m43s
